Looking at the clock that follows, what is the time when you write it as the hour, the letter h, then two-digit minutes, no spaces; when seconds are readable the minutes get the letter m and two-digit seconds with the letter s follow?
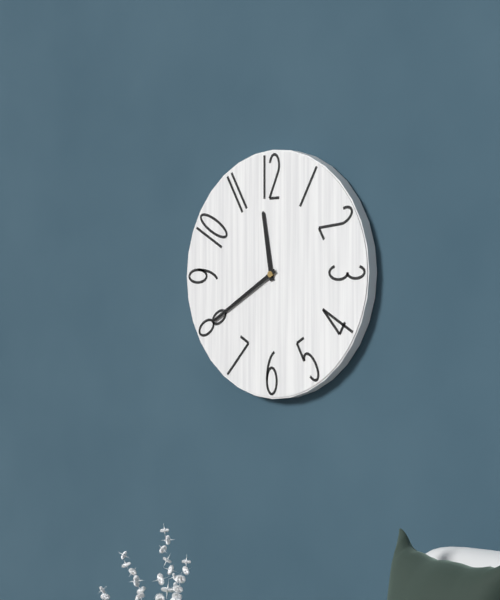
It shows 11h40
